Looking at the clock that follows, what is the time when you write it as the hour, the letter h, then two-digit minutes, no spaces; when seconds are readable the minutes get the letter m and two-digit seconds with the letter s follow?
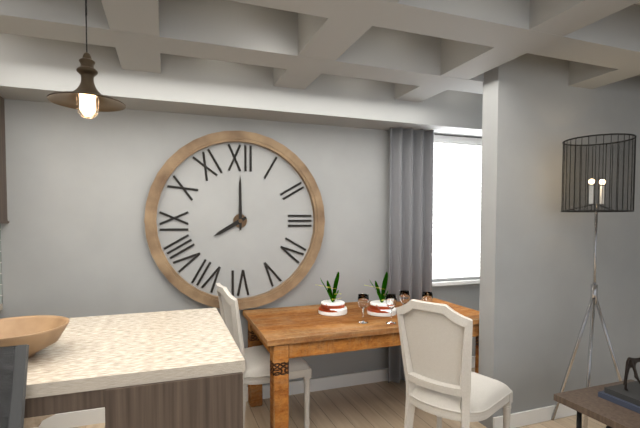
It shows 8h00
